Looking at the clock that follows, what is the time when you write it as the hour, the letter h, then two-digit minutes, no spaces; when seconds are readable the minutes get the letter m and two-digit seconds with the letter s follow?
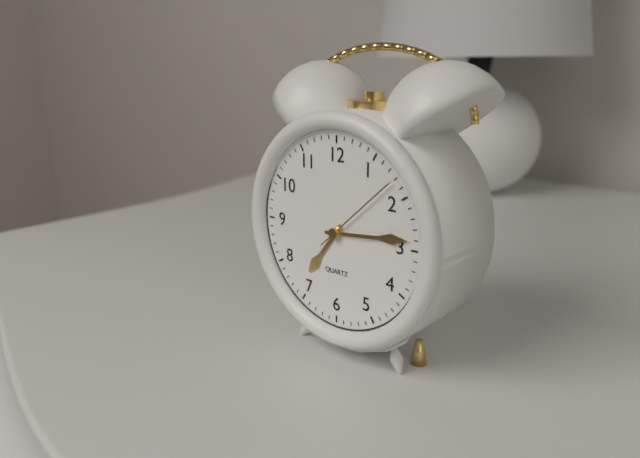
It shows 7h14m08s
